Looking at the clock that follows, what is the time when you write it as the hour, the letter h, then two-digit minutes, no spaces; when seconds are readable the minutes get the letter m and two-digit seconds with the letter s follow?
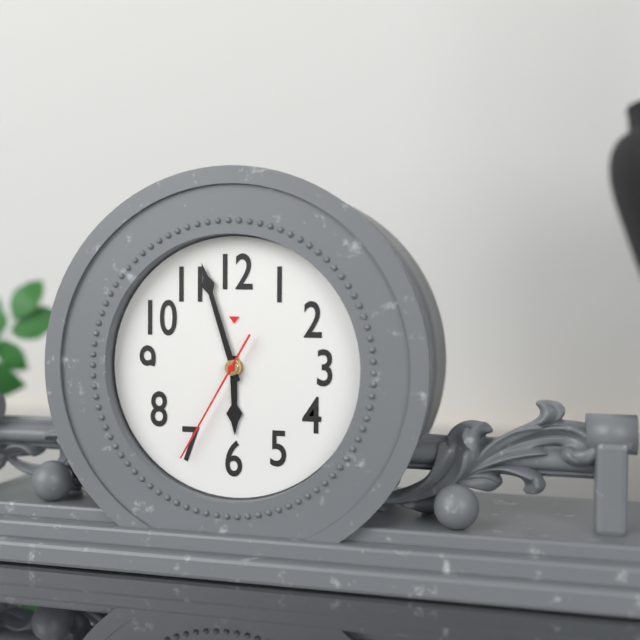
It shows 5h57m35s
